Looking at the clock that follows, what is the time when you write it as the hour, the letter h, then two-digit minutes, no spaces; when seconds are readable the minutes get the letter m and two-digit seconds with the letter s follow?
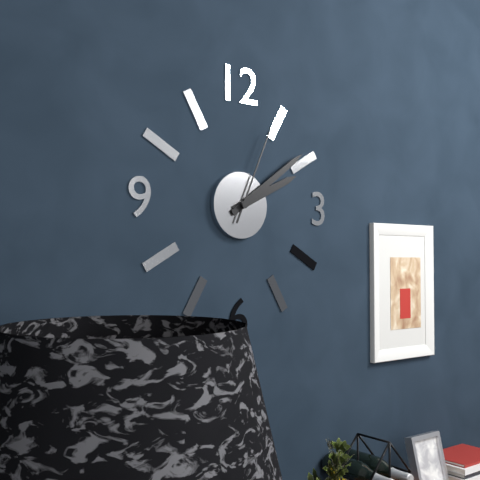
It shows 2h09m04s
